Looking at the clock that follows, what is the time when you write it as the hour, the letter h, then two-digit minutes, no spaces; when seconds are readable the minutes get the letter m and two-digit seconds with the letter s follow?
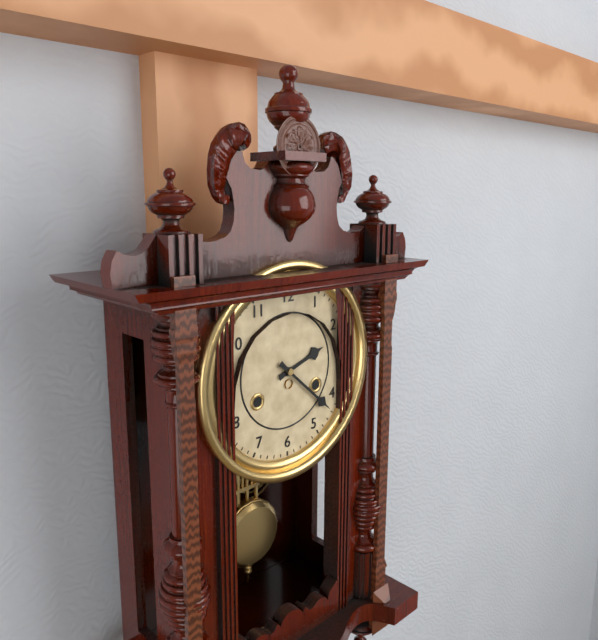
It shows 2h22
